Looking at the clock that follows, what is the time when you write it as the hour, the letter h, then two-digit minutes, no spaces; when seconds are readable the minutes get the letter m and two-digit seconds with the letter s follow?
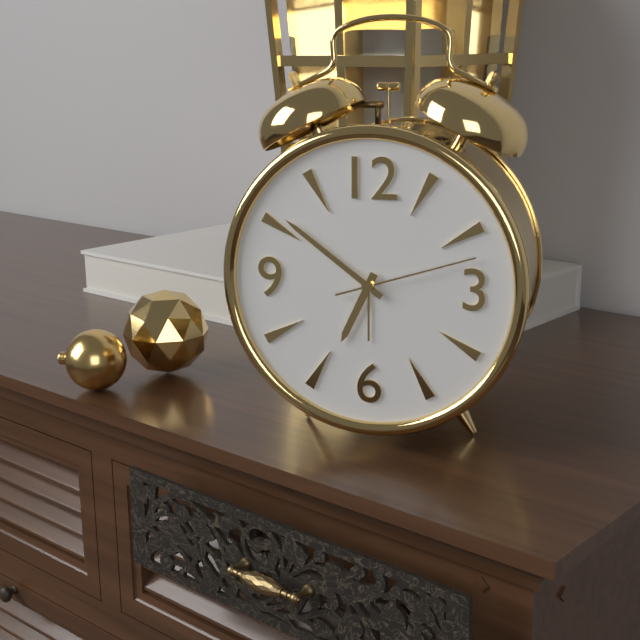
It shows 6h51m12s
